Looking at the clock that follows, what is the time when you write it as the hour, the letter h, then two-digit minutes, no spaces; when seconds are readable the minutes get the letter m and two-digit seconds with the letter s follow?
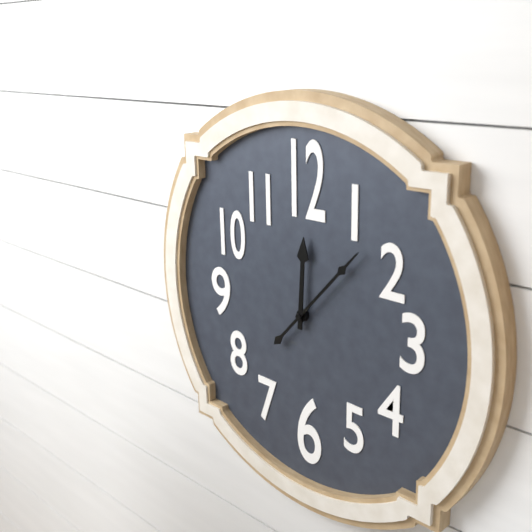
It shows 12h07
